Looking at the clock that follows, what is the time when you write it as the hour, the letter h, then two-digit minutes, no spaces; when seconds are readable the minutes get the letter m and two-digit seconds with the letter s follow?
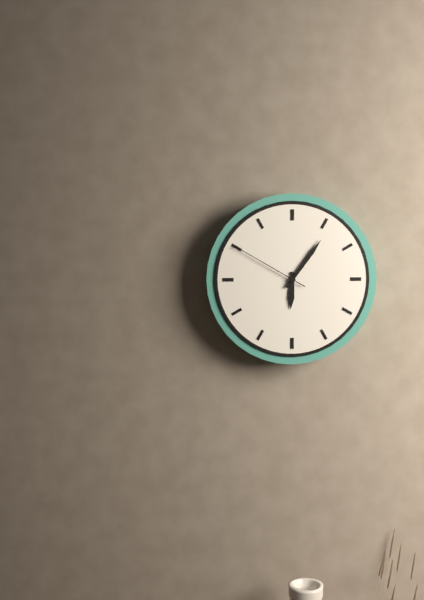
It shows 6h06m50s
